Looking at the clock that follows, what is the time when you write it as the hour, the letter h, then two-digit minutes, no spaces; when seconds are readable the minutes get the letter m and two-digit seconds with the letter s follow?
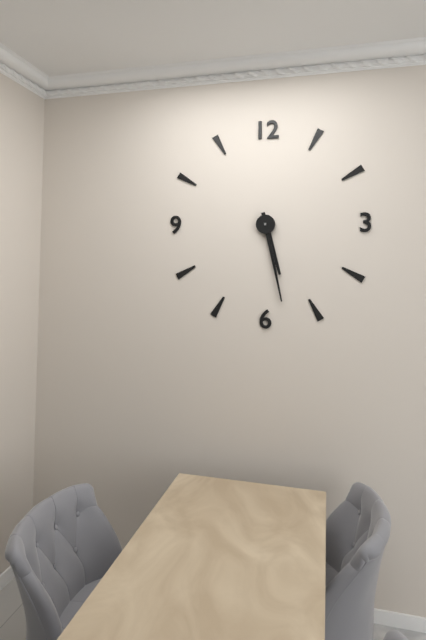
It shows 5h28
